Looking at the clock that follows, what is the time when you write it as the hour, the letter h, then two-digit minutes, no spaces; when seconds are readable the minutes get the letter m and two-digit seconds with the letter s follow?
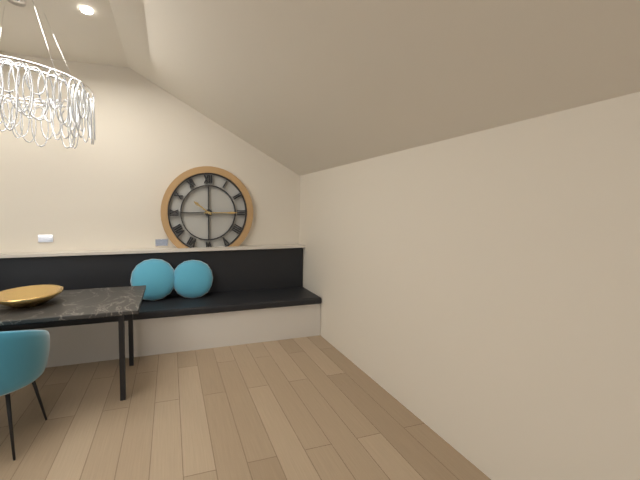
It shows 10h15
